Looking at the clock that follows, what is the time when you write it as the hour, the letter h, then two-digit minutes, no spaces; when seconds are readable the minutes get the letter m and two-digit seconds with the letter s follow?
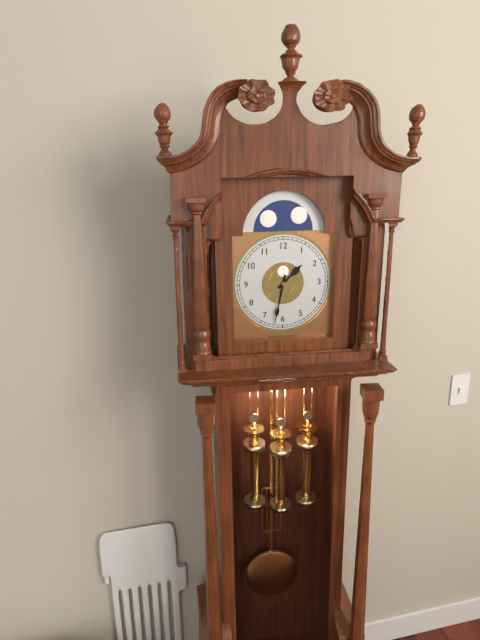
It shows 1h32
